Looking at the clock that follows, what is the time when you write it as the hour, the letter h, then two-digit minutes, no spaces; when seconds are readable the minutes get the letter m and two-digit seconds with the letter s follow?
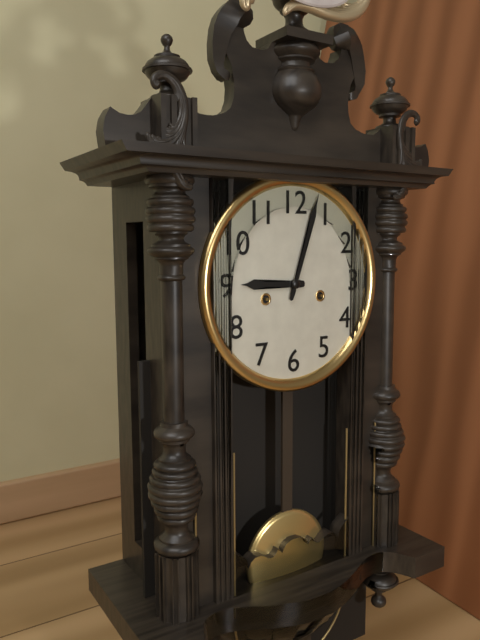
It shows 9h03
